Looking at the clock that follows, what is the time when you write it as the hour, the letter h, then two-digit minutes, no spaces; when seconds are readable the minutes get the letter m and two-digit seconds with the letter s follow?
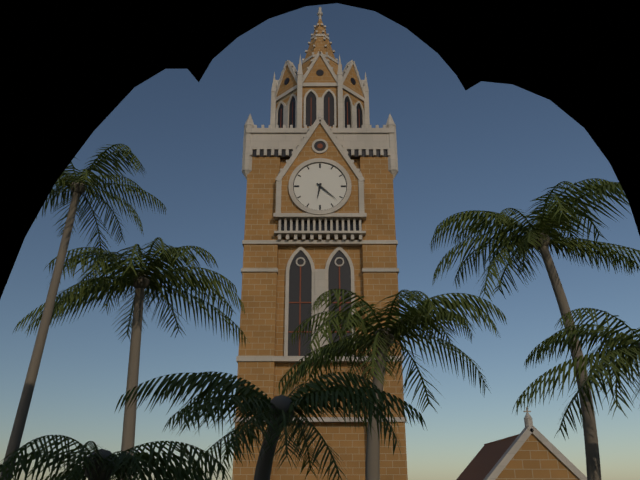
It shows 6h22
